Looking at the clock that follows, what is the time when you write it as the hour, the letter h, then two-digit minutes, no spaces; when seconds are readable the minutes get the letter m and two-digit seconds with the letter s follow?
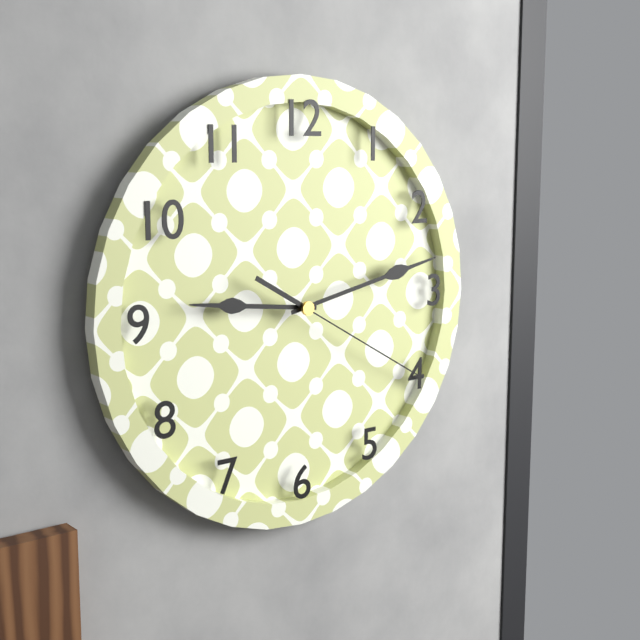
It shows 9h13m20s
